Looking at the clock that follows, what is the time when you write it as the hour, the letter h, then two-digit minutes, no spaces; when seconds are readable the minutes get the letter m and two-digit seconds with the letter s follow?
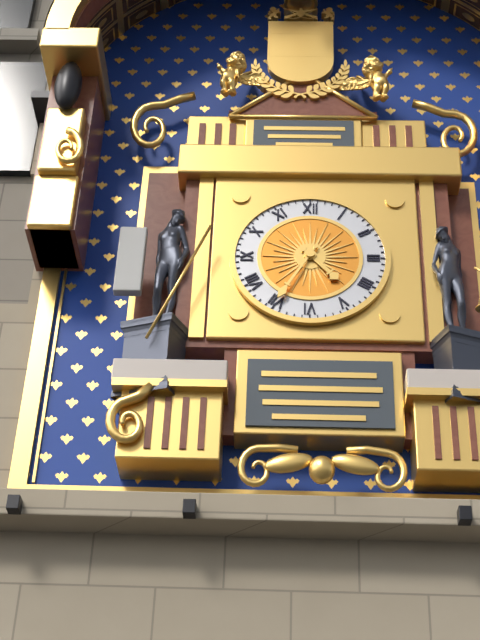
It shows 4h35
